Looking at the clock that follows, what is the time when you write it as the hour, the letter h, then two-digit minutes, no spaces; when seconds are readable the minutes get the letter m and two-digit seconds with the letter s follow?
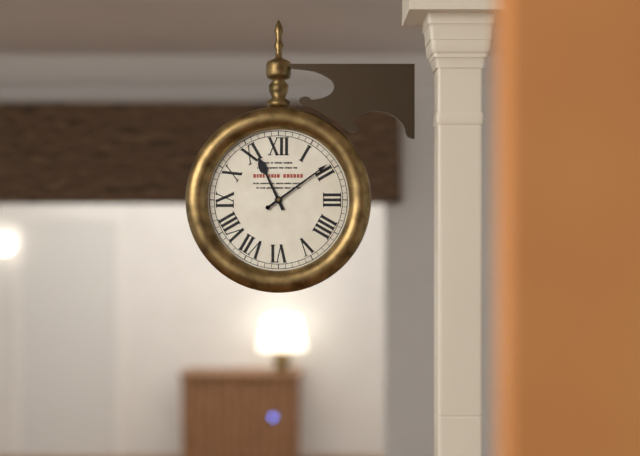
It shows 11h09
